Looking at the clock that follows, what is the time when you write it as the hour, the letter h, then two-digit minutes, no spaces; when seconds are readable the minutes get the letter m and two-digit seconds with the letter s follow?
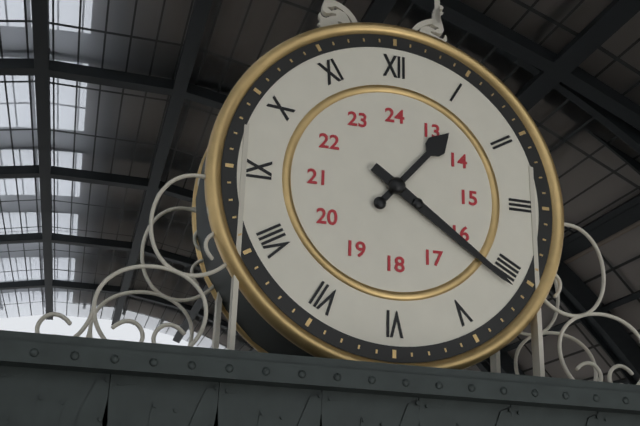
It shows 1h21
